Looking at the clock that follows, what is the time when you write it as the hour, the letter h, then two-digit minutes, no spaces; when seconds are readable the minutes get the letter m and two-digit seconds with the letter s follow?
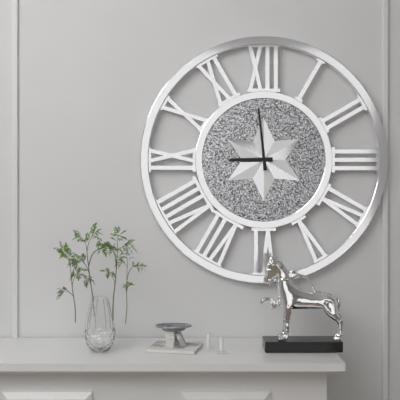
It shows 8h59
